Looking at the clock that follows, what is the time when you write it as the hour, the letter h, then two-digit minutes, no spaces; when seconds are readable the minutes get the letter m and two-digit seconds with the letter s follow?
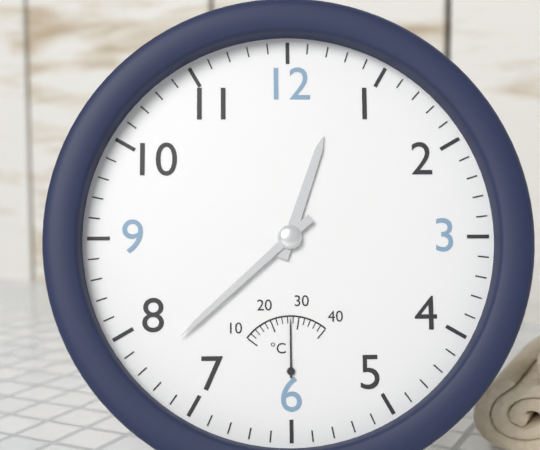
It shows 12h38
